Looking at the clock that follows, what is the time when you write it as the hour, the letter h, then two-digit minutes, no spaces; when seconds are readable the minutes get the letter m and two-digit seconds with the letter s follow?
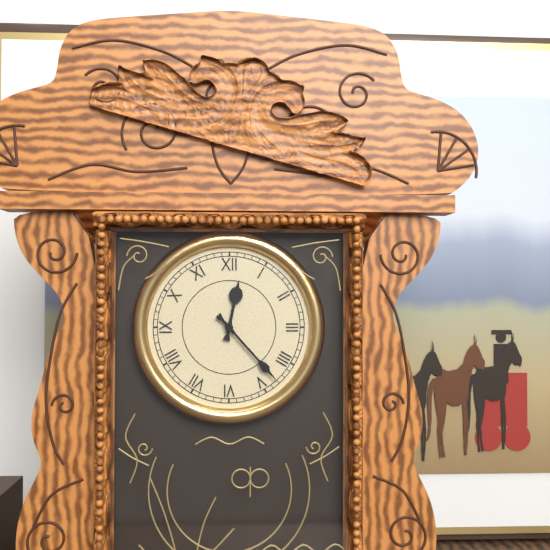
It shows 12h23
